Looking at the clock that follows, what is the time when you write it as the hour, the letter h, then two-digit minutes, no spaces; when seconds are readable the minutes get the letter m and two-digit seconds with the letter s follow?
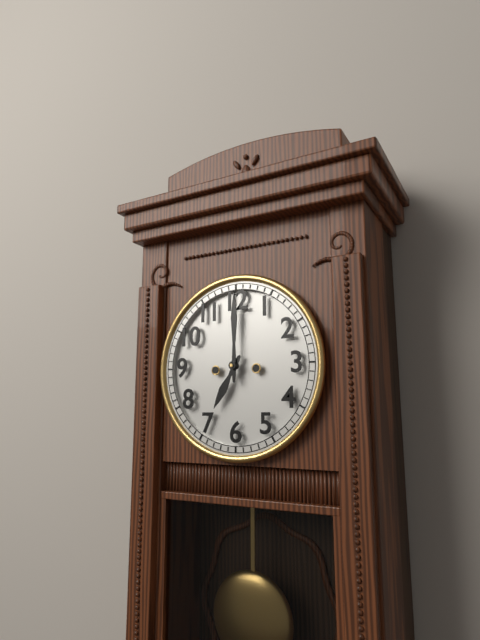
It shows 7h00
